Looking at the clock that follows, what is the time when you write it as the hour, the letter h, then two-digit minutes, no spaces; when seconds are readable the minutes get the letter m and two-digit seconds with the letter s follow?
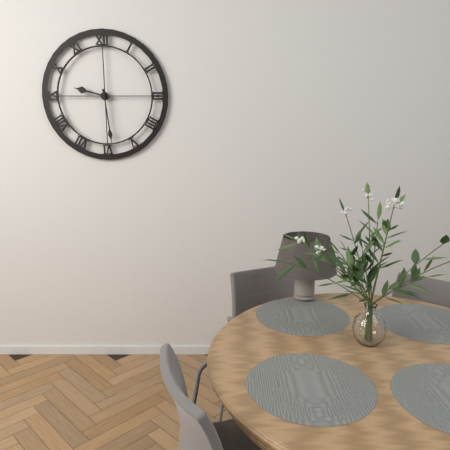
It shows 9h29
